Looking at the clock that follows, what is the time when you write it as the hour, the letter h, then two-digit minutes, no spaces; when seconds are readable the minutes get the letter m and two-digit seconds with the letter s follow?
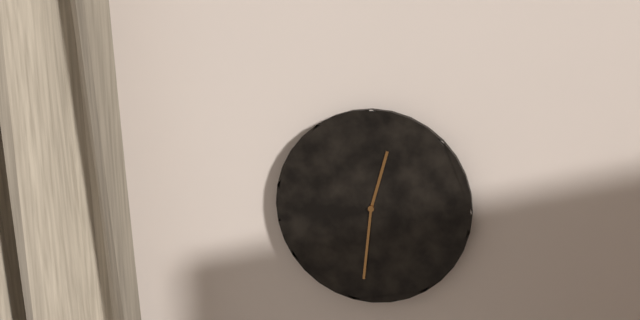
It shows 12h31
